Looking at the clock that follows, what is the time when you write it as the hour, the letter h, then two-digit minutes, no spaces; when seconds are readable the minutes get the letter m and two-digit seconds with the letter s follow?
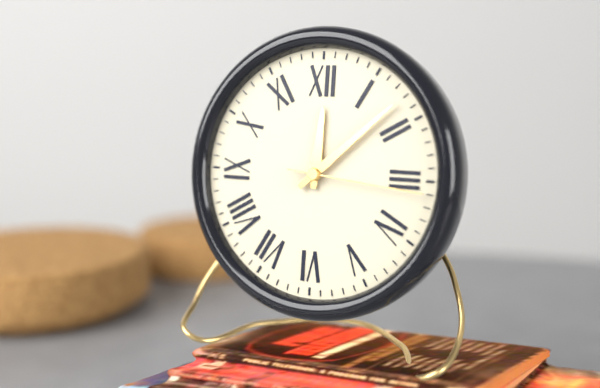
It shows 12h08m16s
